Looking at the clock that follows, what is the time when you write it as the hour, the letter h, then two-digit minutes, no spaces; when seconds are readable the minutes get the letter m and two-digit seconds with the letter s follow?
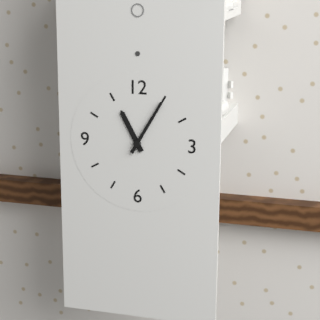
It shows 11h05
